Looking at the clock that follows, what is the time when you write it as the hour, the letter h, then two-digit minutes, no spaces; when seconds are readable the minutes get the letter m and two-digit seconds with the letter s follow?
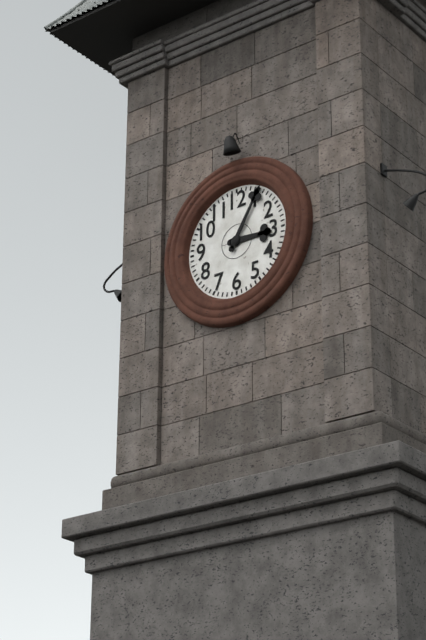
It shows 3h05
